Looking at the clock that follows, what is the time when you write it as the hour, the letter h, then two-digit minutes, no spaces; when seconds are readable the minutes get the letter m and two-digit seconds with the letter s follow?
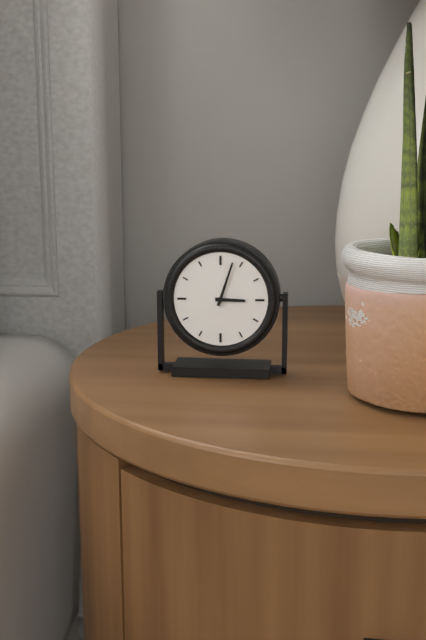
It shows 3h03
